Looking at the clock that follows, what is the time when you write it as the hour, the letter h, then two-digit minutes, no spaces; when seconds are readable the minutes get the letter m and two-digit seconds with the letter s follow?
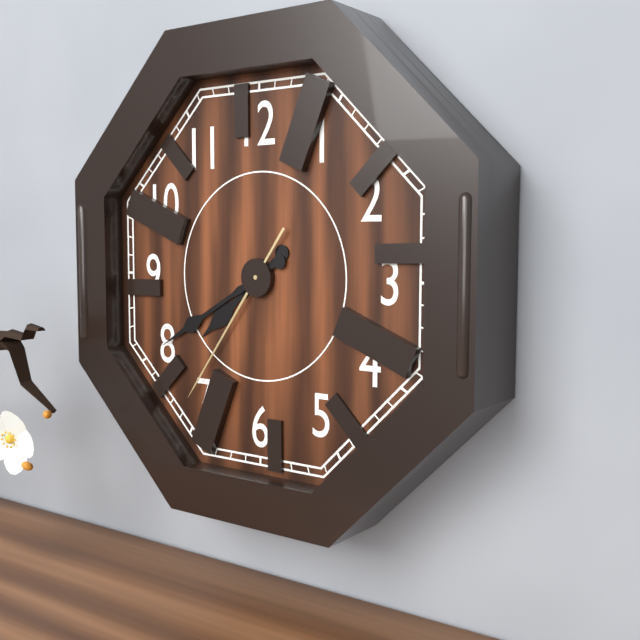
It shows 7h40m36s
